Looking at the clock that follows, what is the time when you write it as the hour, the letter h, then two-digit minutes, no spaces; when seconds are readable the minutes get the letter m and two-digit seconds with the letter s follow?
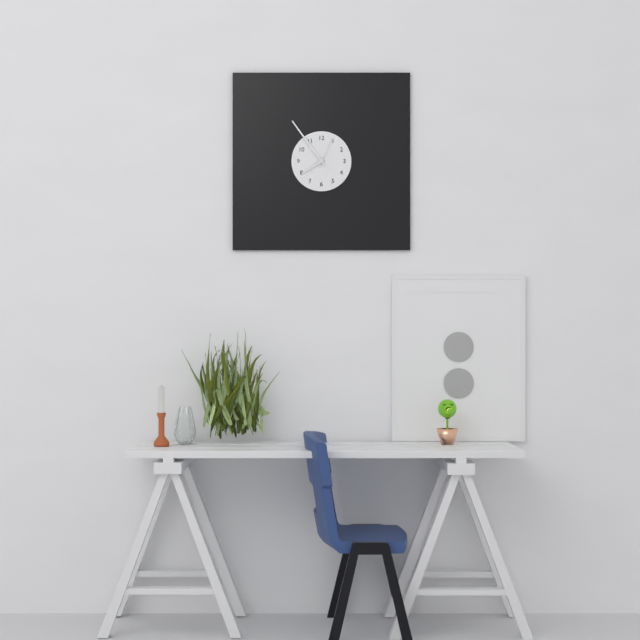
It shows 7h54
